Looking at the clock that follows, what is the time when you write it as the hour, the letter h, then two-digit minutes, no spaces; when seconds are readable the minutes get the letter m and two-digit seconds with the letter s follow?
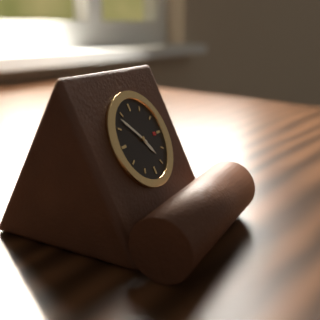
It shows 4h53
